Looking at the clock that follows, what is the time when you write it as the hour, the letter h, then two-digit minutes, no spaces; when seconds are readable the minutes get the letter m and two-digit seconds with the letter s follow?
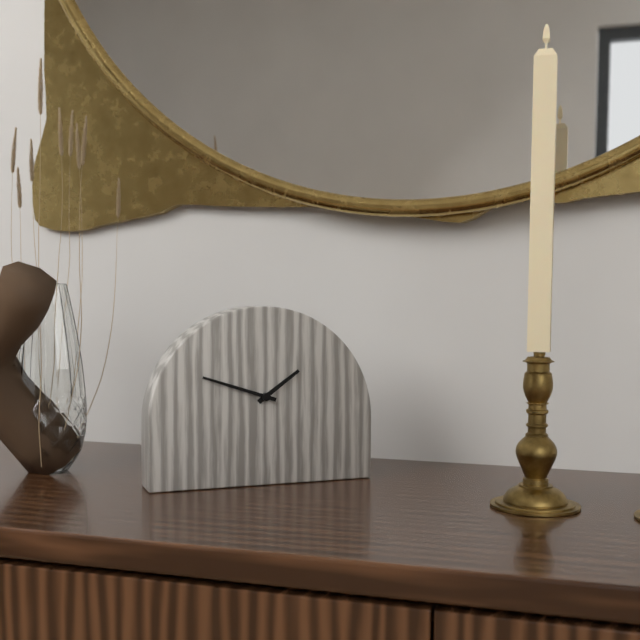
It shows 1h48
